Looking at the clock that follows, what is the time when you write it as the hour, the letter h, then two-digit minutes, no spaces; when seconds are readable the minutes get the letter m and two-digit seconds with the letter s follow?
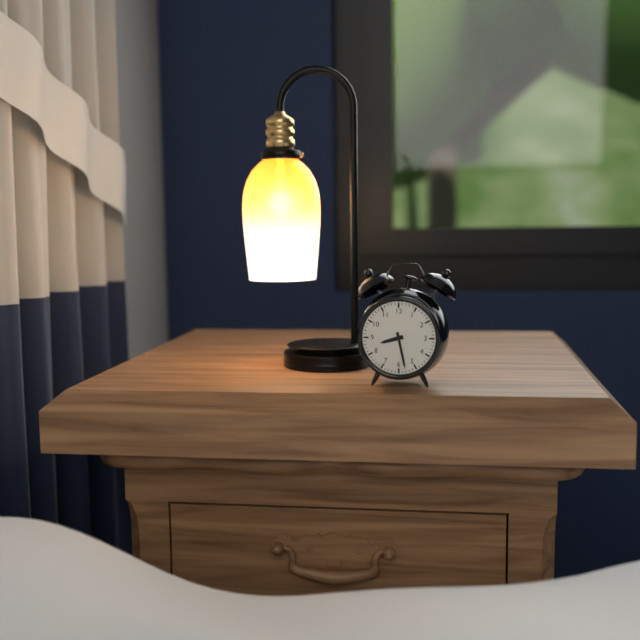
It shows 8h28
